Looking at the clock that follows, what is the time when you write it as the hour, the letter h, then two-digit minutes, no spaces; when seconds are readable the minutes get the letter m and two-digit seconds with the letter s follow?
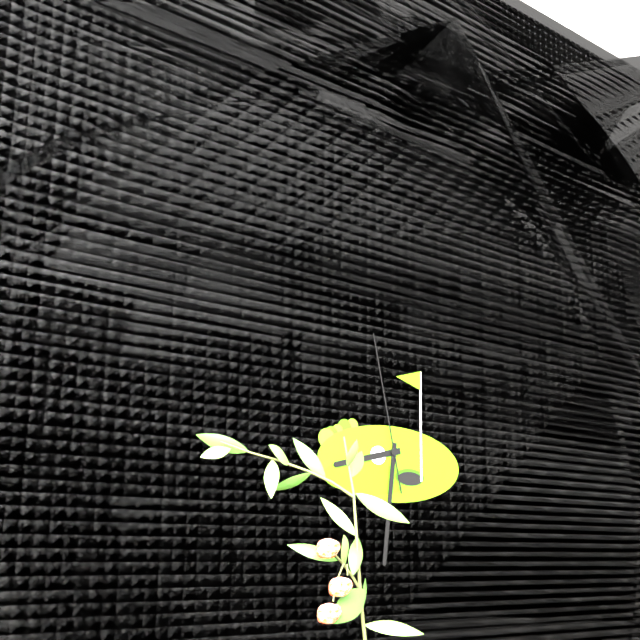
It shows 8h31m58s
